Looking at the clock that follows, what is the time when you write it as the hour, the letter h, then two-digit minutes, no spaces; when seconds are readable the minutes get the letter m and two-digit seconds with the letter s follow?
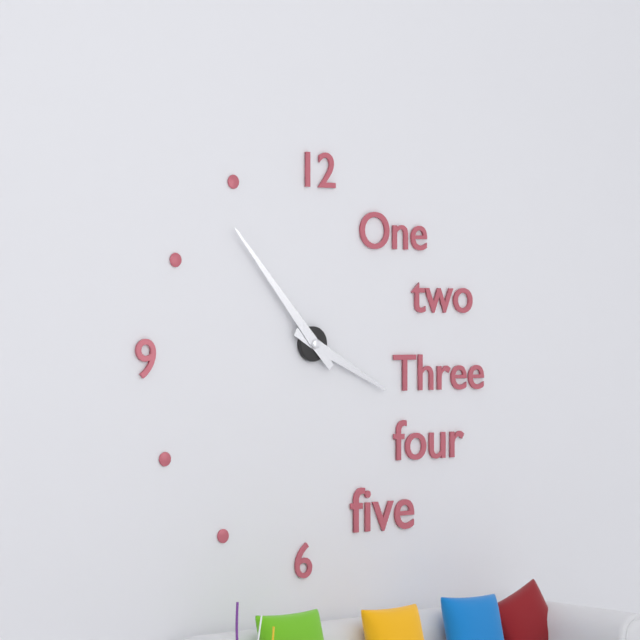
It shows 3h53
